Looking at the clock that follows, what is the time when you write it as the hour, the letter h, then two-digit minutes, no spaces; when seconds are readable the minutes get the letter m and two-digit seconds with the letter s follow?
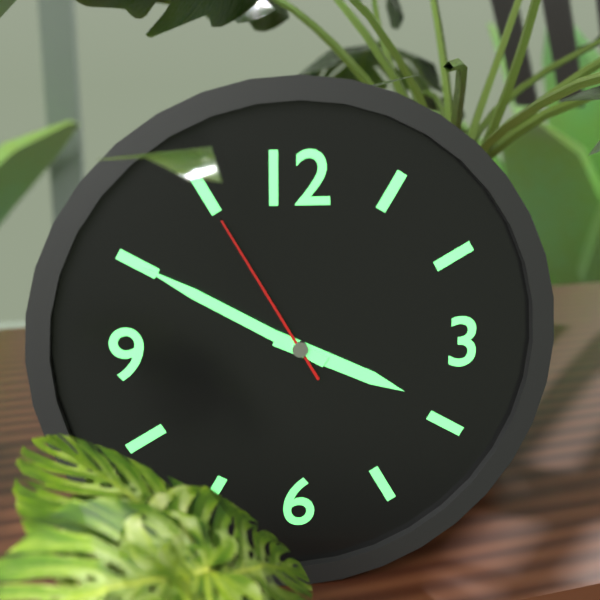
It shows 3h50m55s
